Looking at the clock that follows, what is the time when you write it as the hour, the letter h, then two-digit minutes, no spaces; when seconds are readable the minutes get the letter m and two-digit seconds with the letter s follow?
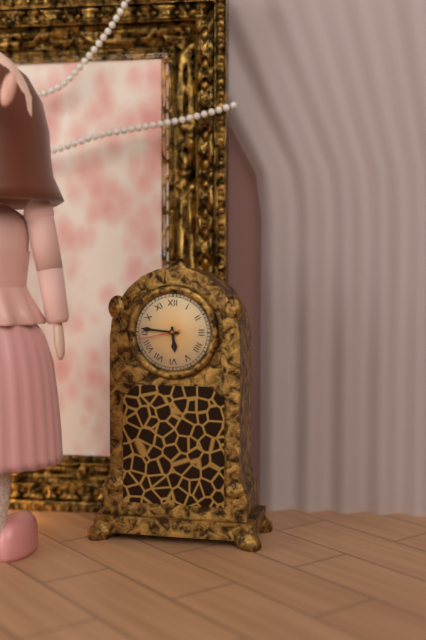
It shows 5h46
